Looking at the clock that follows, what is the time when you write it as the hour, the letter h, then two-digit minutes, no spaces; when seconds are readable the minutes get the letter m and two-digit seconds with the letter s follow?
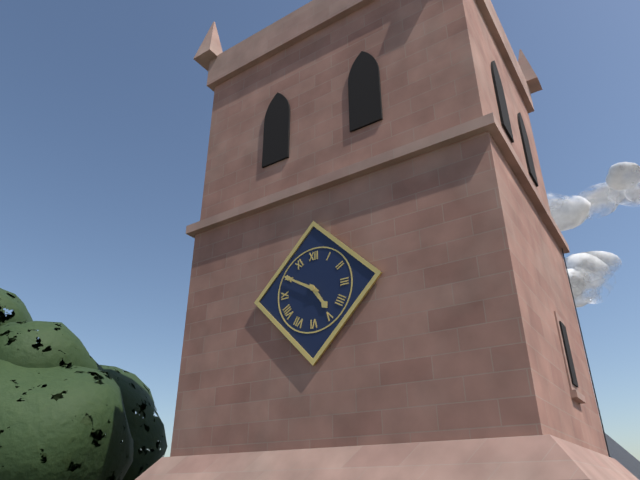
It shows 4h50
